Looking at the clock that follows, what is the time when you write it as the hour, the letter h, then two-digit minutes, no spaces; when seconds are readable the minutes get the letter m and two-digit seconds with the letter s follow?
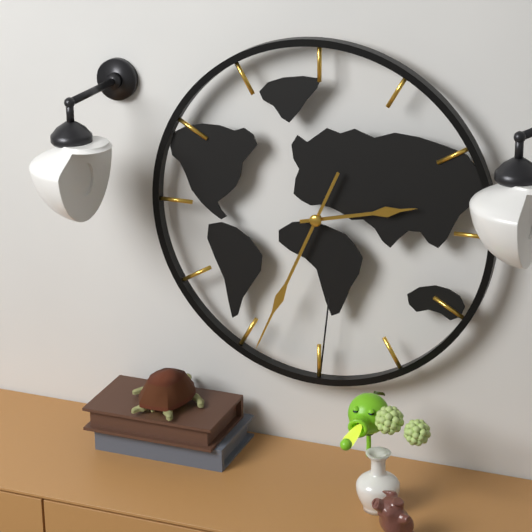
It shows 2h34
